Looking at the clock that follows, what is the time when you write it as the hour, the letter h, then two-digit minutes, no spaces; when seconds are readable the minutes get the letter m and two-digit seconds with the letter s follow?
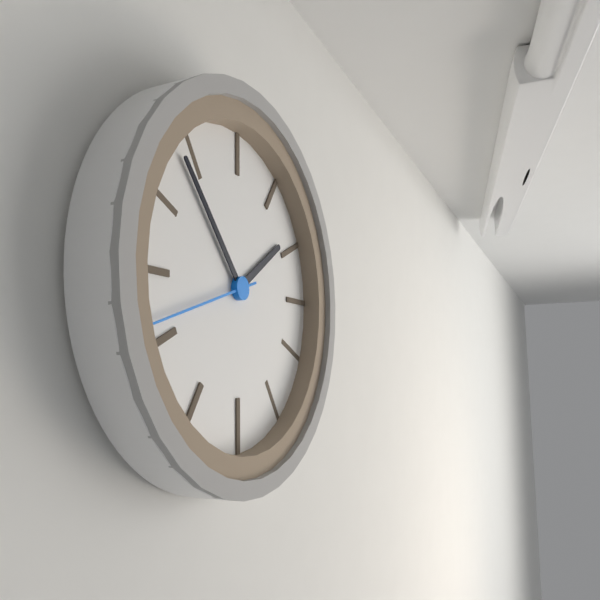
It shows 1h53m42s
